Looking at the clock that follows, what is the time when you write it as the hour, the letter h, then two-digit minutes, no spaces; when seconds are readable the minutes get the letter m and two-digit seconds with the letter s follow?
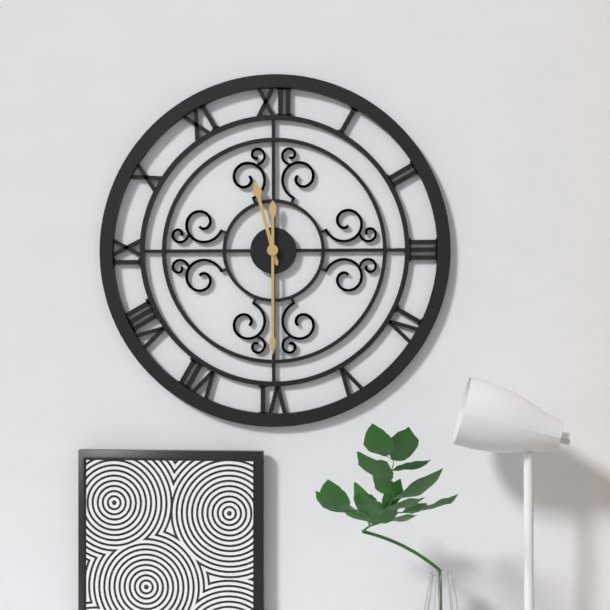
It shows 11h30
